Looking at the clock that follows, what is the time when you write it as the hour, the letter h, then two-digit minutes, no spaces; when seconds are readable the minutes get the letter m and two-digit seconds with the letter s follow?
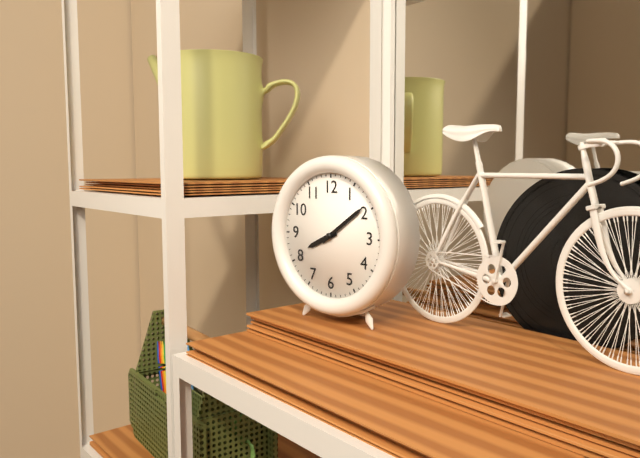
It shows 8h09
